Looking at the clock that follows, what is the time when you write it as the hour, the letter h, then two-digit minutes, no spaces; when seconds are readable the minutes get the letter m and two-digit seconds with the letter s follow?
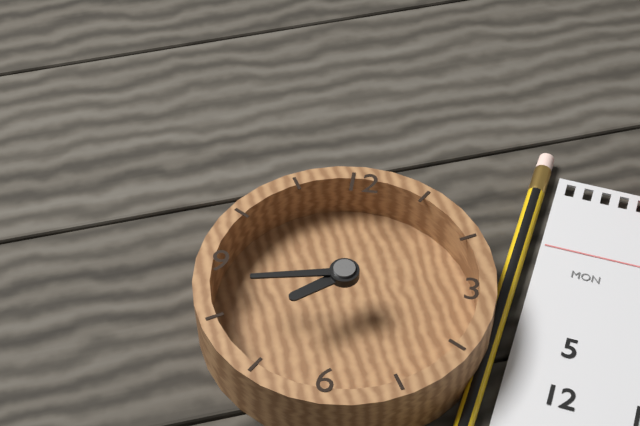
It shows 7h43
